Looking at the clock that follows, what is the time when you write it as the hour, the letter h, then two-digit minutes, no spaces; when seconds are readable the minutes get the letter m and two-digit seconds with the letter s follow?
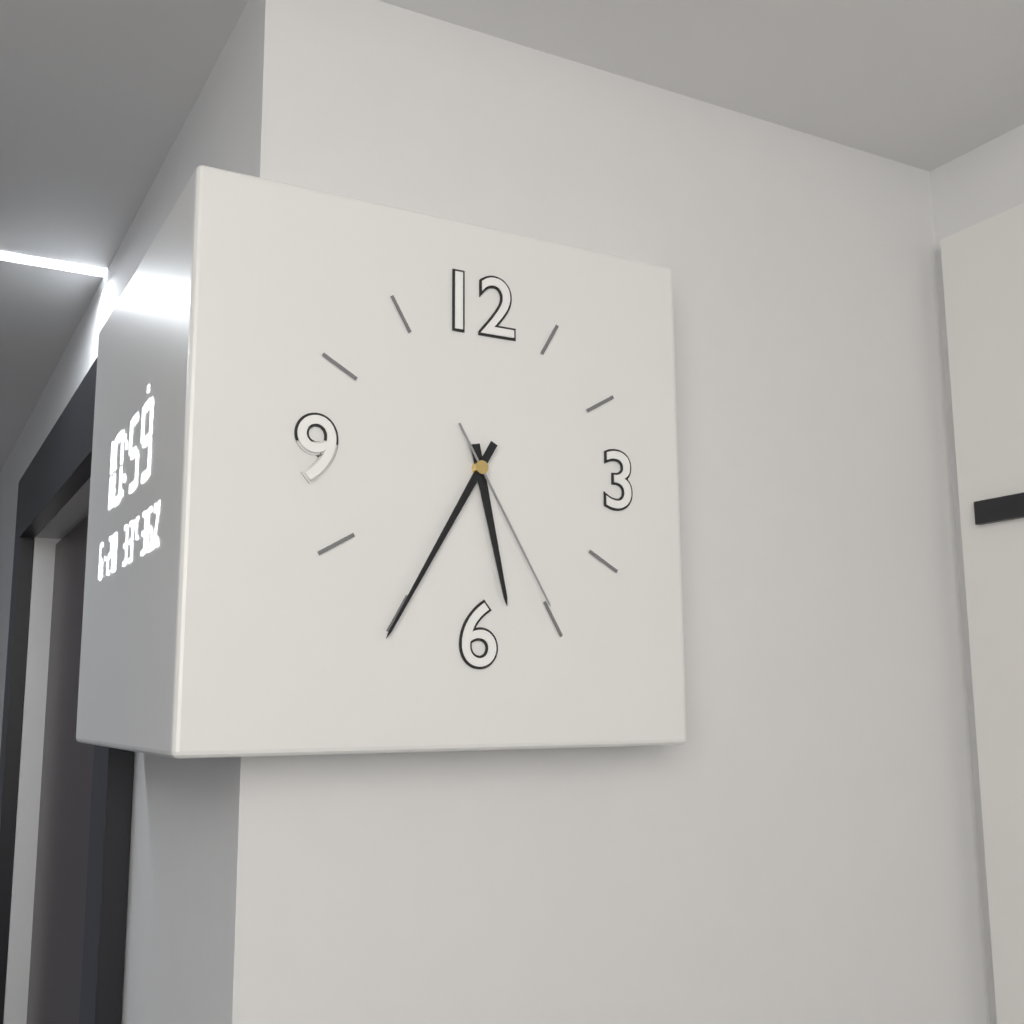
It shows 5h35m25s
